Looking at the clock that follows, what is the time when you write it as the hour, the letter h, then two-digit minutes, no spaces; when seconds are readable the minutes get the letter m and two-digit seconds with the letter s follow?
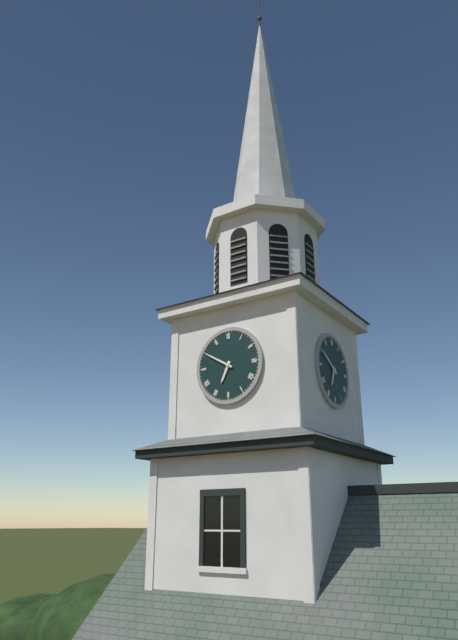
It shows 6h50
